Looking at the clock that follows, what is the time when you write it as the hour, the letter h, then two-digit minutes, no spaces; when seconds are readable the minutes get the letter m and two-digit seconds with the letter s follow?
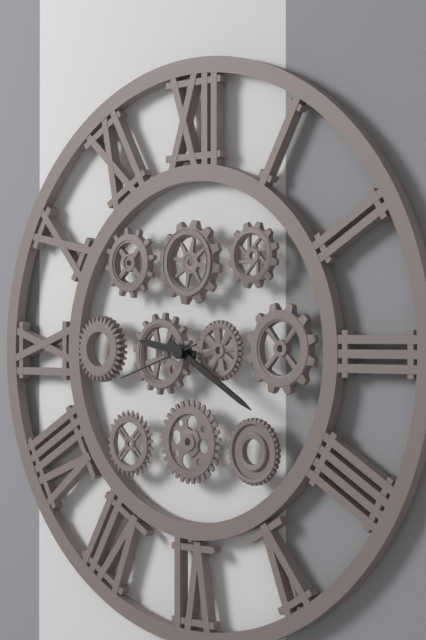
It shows 9h20m42s
